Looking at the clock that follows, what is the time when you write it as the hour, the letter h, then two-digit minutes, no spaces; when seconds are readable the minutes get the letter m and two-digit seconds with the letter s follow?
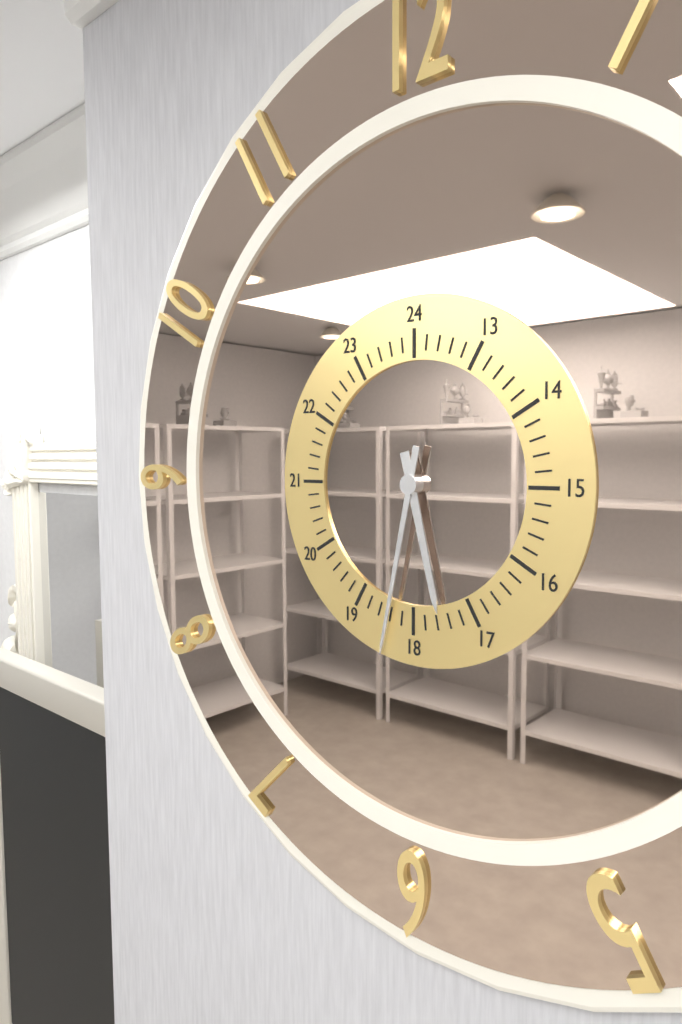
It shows 5h32
